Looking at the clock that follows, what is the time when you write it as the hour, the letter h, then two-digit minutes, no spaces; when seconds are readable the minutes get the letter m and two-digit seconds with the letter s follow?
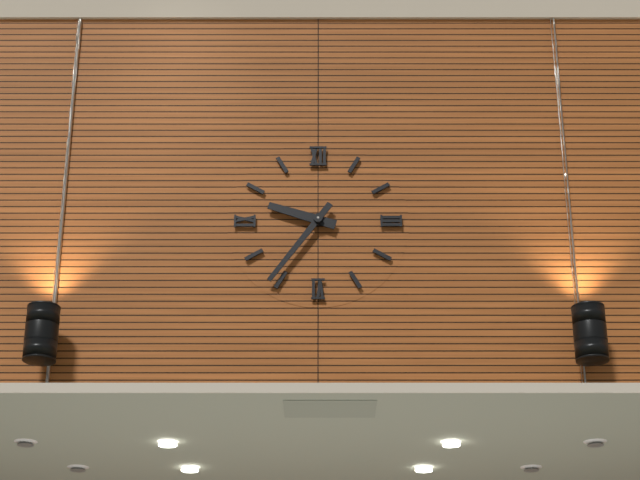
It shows 9h36
